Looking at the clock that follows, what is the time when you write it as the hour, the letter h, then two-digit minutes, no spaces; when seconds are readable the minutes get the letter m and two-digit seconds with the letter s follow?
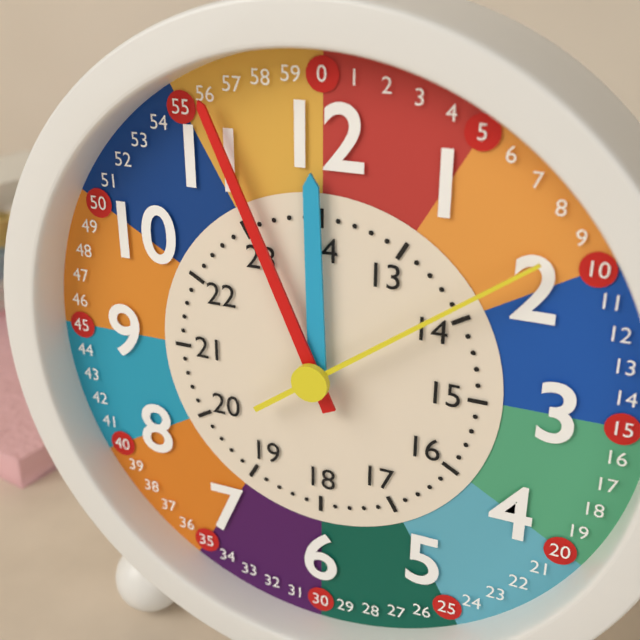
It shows 11h56m09s
